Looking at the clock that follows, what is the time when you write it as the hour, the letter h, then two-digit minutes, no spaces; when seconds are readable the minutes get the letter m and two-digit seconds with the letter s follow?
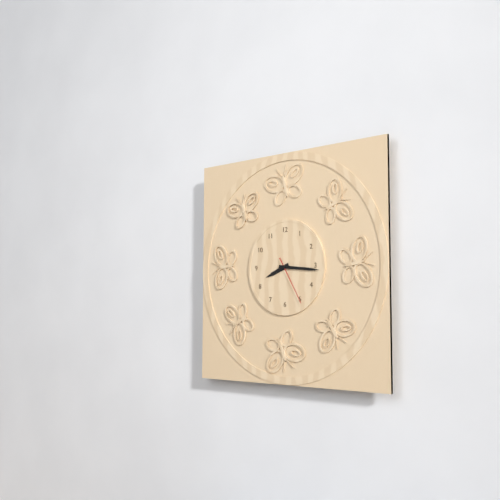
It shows 8h16
